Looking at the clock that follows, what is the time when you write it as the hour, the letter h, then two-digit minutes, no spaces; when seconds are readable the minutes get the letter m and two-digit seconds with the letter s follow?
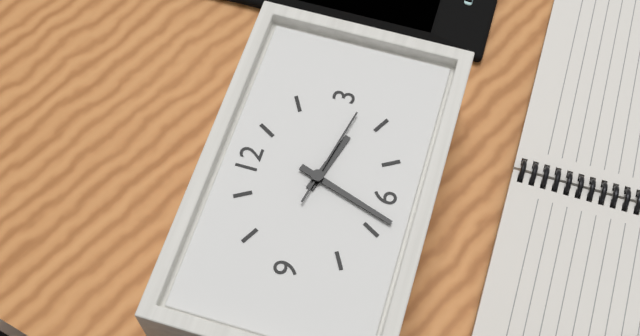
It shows 3h33m17s
